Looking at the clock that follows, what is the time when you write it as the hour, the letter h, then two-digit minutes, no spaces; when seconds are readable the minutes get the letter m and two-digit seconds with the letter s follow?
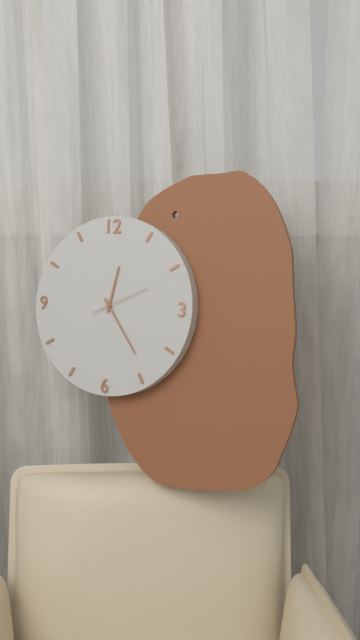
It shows 12h24m11s
